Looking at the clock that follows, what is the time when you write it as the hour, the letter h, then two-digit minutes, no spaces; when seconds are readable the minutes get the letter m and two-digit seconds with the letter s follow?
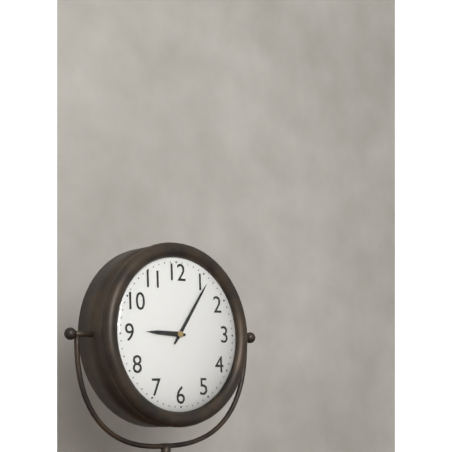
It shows 9h06
